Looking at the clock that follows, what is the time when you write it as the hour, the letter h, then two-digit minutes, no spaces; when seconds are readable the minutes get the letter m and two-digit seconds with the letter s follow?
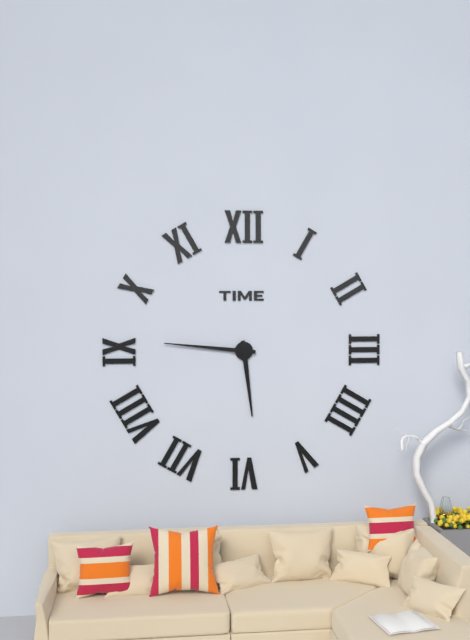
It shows 5h46
